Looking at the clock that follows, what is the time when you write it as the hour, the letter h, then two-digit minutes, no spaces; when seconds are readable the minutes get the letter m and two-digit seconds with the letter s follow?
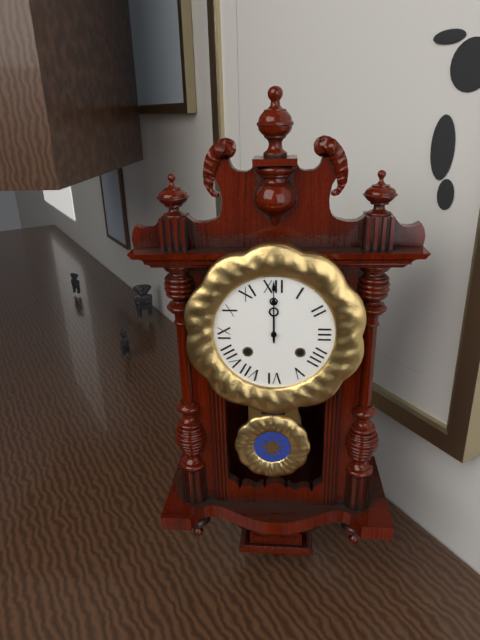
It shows 12h00
